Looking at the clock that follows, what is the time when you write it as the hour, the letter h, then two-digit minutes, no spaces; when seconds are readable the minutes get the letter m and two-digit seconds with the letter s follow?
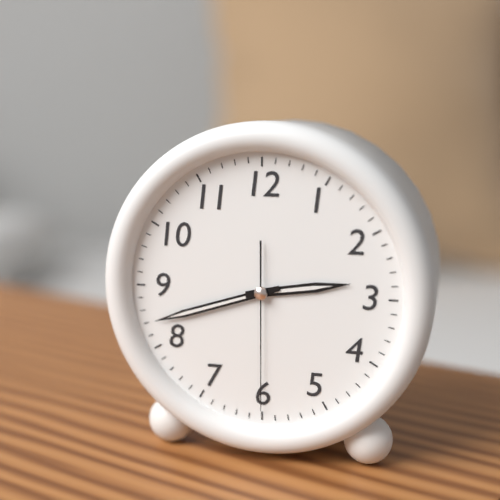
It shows 2h42m30s
